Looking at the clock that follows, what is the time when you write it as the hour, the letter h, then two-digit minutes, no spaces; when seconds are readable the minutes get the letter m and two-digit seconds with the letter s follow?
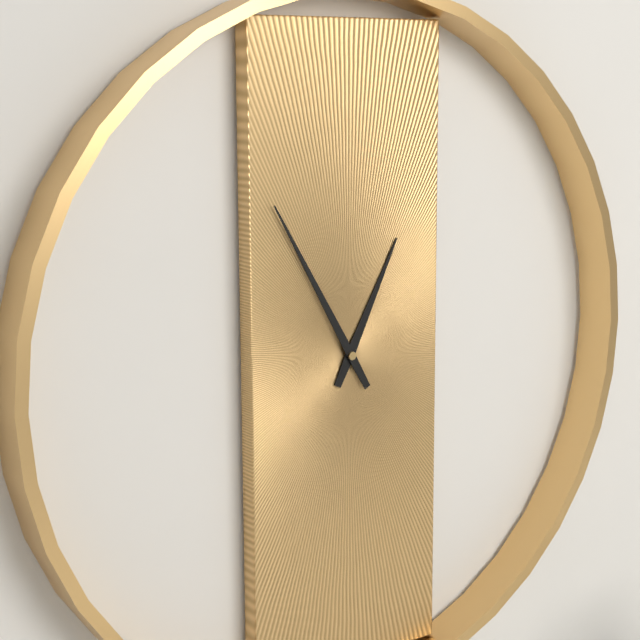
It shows 12h55
